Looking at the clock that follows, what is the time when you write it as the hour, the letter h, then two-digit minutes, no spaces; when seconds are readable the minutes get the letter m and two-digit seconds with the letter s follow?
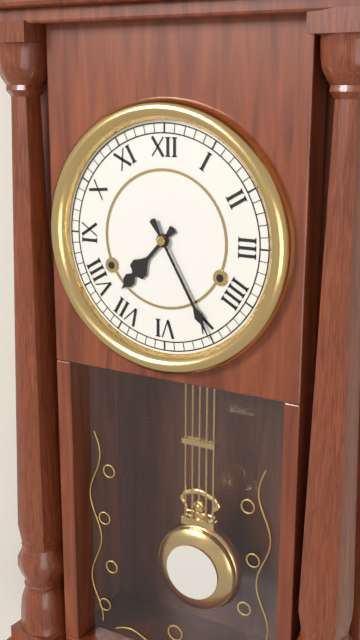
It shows 7h25
